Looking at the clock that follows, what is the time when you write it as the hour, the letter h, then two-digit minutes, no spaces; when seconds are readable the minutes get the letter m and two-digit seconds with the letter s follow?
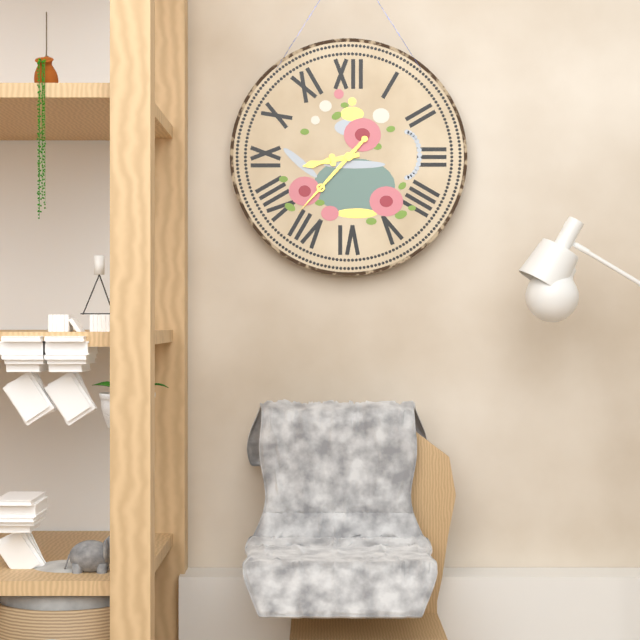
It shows 8h37
